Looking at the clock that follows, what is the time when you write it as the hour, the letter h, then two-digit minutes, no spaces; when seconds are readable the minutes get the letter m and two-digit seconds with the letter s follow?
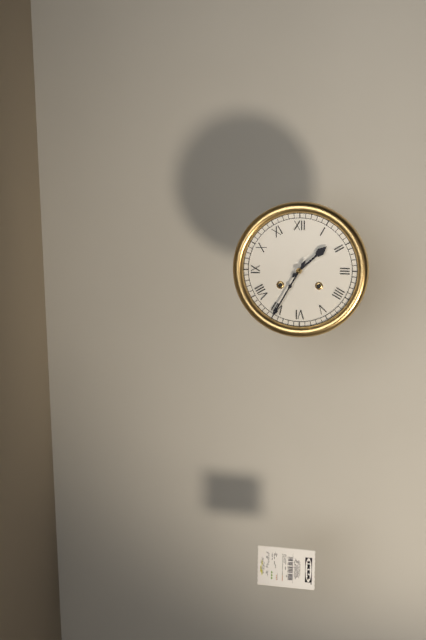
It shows 1h35
